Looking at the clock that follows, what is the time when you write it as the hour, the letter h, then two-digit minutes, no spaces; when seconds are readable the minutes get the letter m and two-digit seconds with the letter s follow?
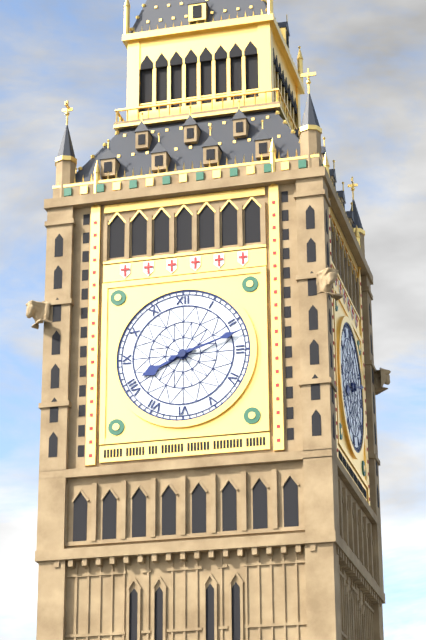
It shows 8h12
